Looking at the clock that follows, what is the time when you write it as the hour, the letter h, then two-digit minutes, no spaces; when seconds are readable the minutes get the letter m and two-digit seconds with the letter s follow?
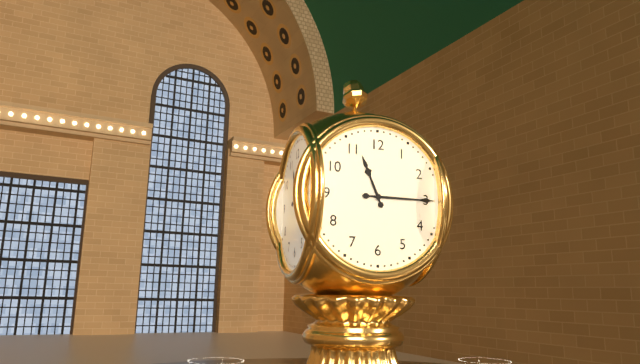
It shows 11h15
